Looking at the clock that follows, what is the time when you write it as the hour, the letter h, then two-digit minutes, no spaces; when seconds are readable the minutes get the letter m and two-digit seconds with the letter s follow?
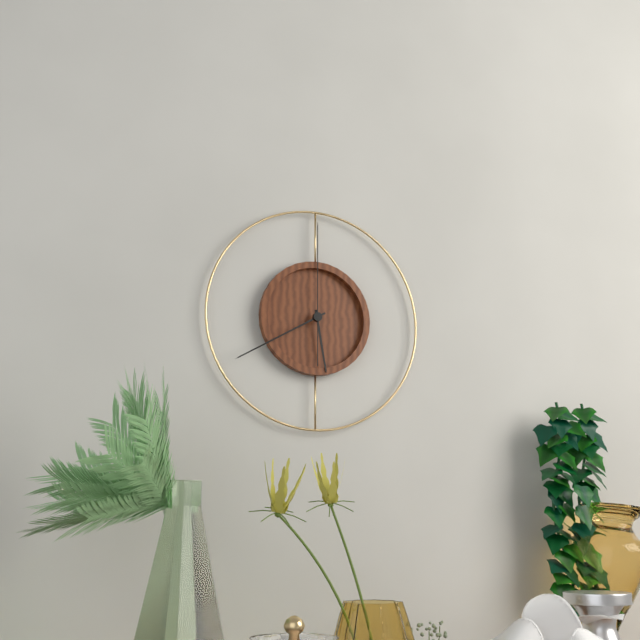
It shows 5h40m00s
